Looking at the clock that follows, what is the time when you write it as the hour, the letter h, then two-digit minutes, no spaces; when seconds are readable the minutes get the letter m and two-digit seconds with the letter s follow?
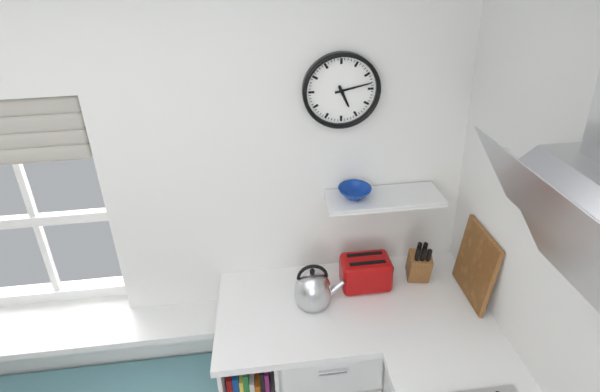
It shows 5h13
